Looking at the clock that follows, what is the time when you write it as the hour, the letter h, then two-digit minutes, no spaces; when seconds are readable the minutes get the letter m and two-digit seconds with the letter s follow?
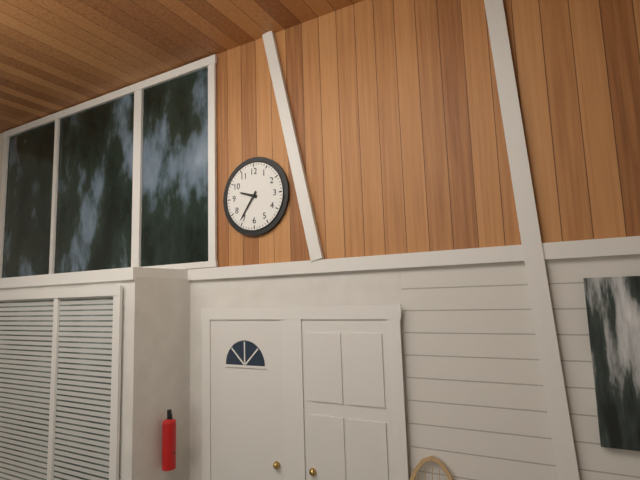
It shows 9h36
